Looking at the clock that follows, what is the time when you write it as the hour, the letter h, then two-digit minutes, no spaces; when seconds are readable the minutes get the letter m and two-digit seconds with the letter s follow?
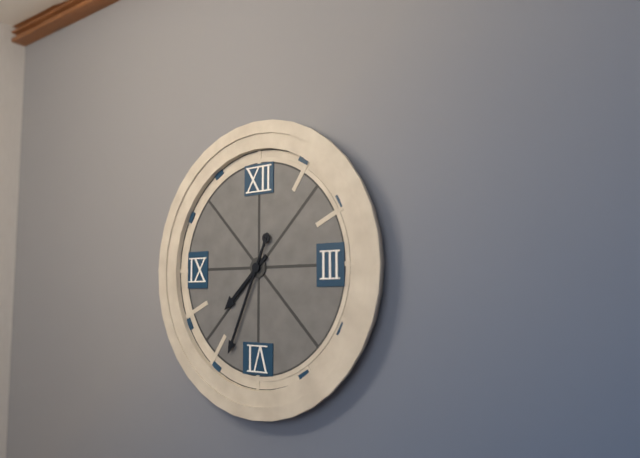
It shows 7h34
